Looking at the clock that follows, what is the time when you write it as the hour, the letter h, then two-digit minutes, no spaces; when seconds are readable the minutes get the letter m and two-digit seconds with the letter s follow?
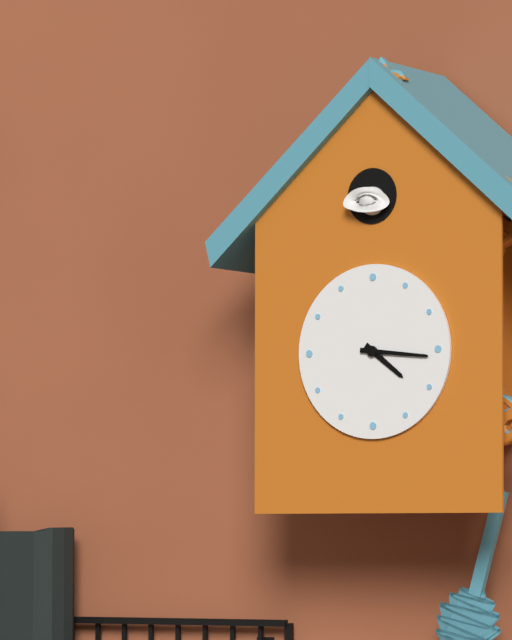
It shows 4h16
